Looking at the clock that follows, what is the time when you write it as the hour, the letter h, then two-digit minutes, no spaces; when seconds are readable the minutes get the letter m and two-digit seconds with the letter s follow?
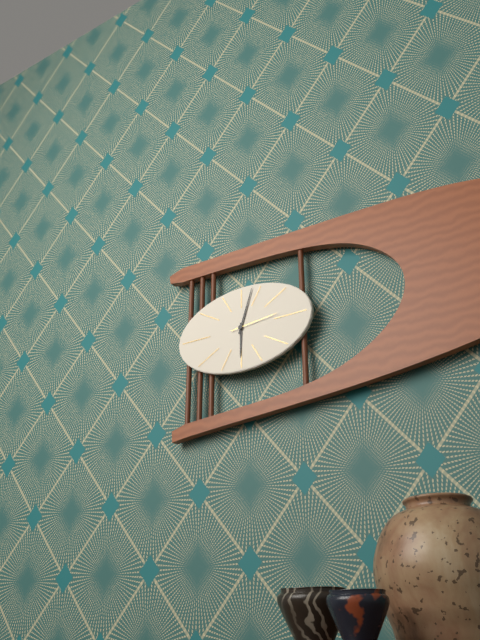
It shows 6h03m14s
